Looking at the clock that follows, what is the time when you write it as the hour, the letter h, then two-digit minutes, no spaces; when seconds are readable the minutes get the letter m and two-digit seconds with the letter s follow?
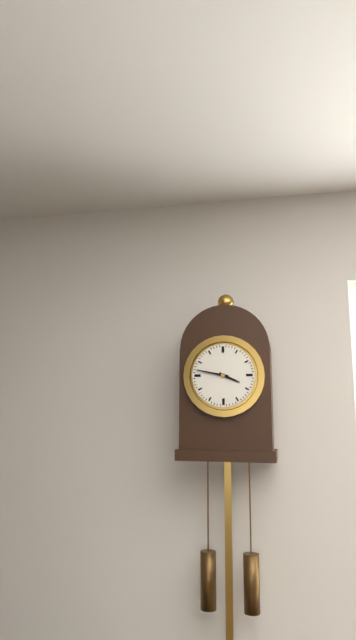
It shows 3h47
